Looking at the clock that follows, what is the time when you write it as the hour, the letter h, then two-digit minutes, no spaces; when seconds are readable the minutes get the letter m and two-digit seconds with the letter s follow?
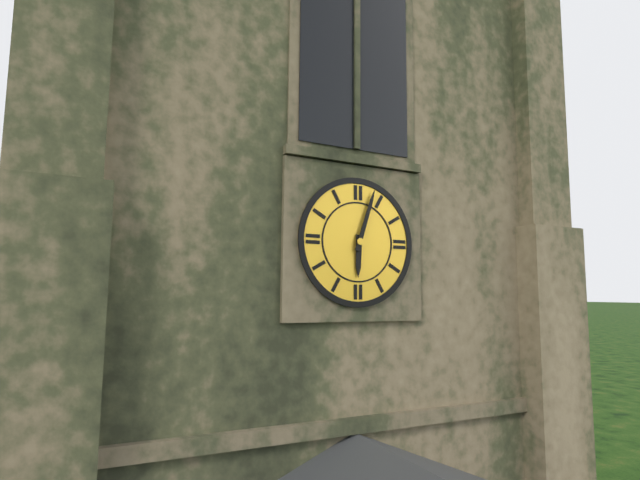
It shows 6h03
